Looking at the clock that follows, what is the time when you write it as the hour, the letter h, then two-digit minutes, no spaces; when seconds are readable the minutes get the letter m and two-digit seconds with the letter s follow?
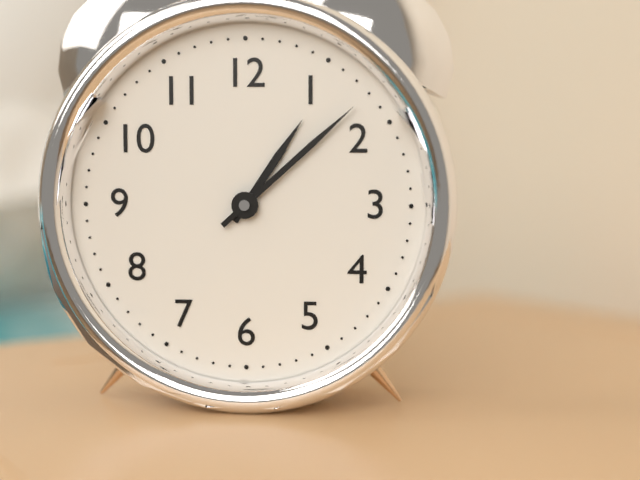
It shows 1h08
